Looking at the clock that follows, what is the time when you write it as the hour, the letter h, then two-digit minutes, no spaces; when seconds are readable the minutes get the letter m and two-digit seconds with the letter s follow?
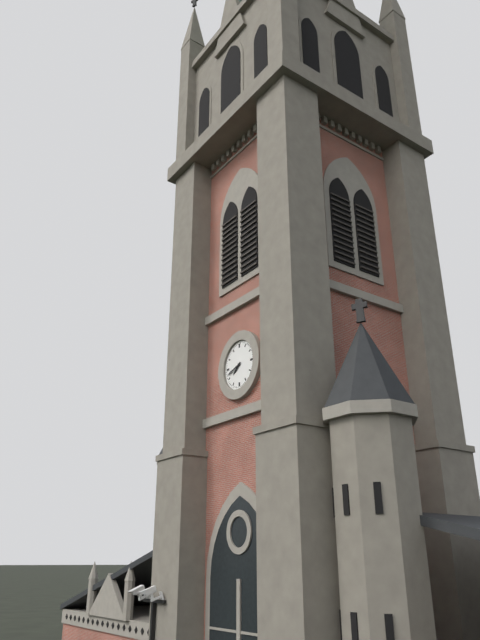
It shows 7h42
